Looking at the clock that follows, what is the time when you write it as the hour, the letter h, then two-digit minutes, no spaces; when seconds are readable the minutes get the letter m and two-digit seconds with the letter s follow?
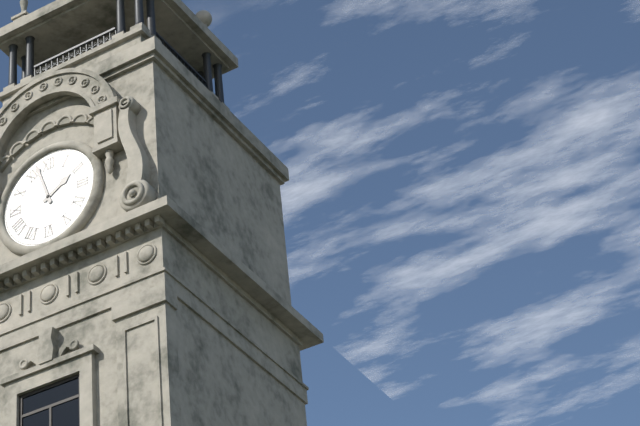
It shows 1h57
